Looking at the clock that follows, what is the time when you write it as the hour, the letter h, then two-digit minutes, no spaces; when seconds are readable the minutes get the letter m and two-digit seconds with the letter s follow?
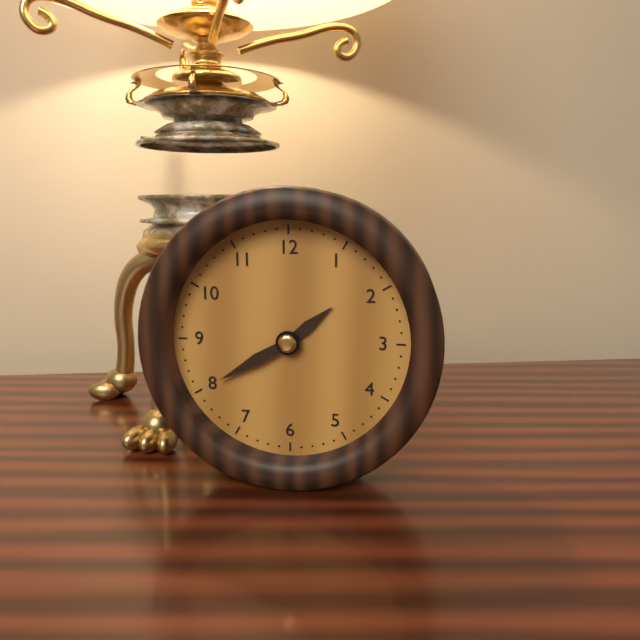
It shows 1h40
